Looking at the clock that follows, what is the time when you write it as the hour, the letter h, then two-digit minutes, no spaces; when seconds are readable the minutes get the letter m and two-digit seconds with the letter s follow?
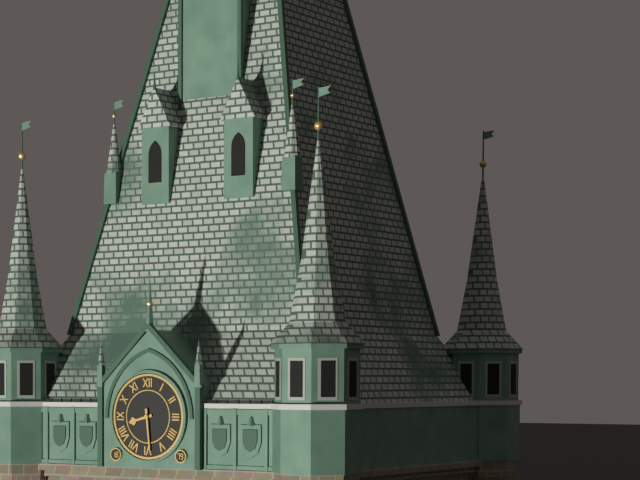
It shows 8h29
